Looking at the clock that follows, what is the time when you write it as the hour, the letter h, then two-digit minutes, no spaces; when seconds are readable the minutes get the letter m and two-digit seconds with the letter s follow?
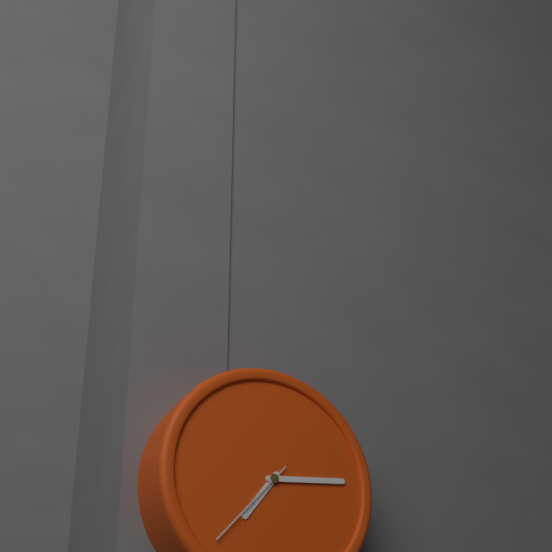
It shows 7h14m37s
